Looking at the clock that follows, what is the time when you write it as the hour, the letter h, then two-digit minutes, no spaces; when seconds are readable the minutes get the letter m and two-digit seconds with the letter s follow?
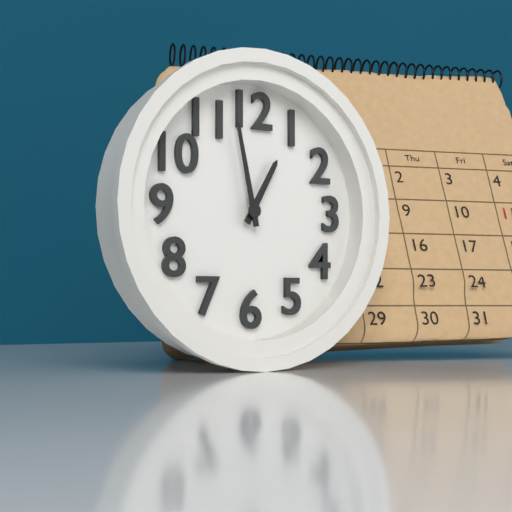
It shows 12h58
